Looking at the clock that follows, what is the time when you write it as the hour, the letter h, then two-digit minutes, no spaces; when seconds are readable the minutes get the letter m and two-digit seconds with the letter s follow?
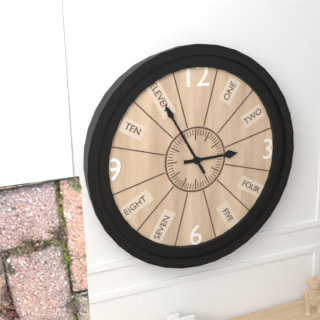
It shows 2h55
